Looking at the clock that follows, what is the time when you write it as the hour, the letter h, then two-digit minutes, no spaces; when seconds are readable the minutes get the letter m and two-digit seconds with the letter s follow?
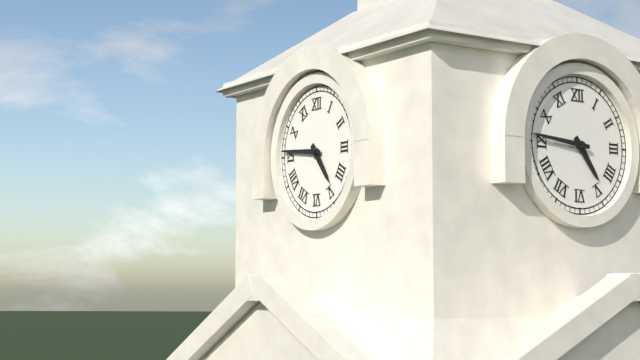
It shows 4h46
